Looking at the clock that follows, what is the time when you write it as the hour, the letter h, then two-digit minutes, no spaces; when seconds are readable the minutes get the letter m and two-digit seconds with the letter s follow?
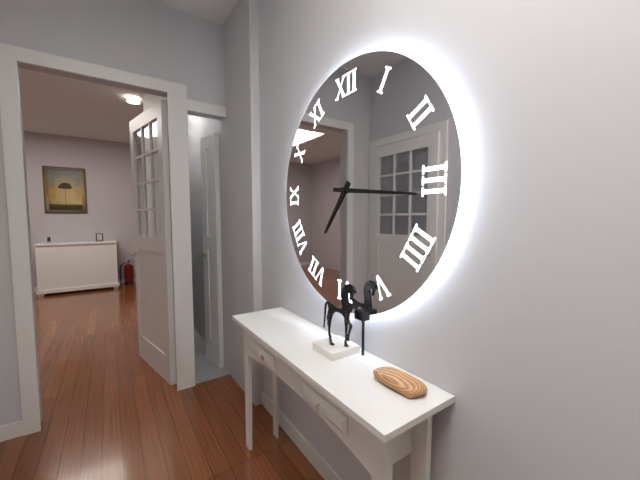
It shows 7h16
